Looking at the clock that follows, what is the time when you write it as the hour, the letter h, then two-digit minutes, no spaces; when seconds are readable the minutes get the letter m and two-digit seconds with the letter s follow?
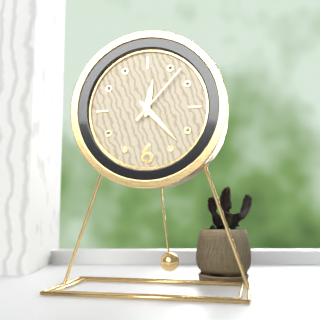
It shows 12h23m07s
